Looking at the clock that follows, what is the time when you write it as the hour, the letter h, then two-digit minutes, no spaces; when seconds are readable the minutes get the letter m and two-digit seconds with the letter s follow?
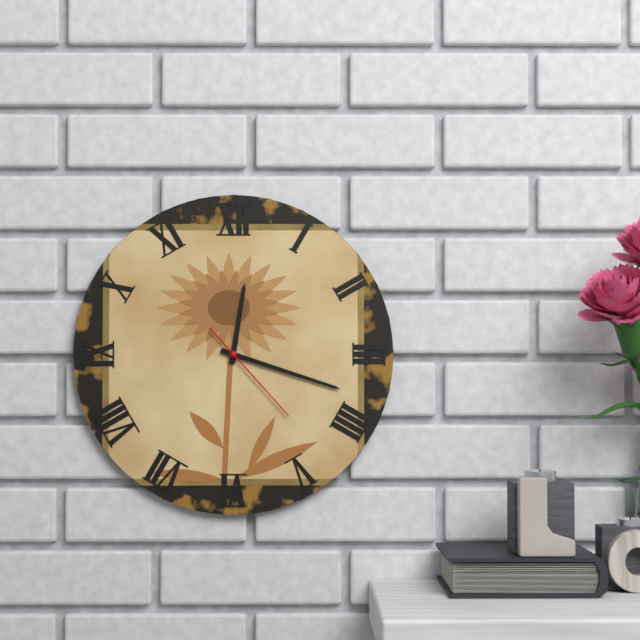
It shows 12h18m23s
